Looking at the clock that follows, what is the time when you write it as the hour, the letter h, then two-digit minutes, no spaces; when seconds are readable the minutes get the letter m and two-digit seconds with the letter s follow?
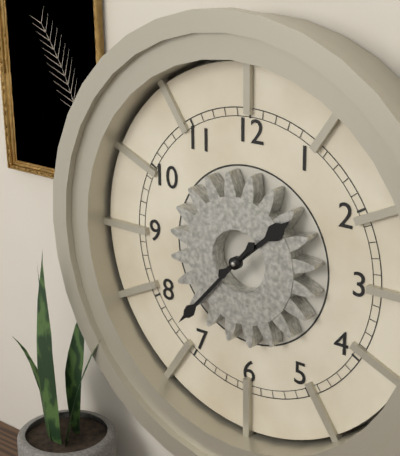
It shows 1h37
